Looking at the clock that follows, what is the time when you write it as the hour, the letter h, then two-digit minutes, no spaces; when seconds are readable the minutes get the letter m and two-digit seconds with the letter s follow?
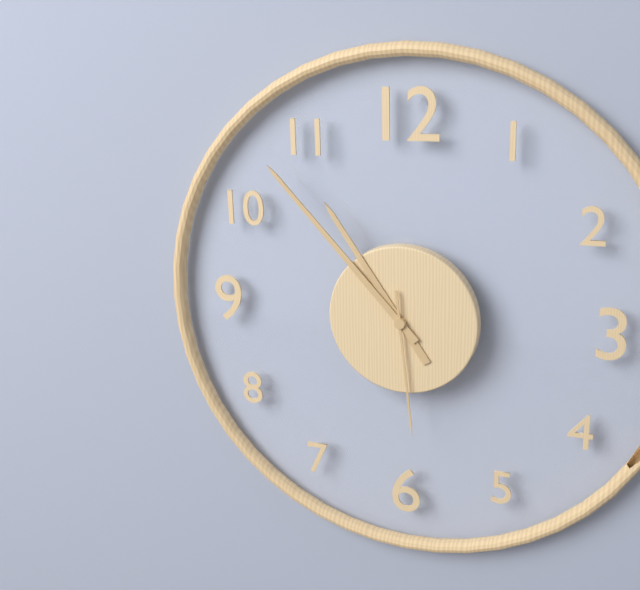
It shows 10h53m29s
